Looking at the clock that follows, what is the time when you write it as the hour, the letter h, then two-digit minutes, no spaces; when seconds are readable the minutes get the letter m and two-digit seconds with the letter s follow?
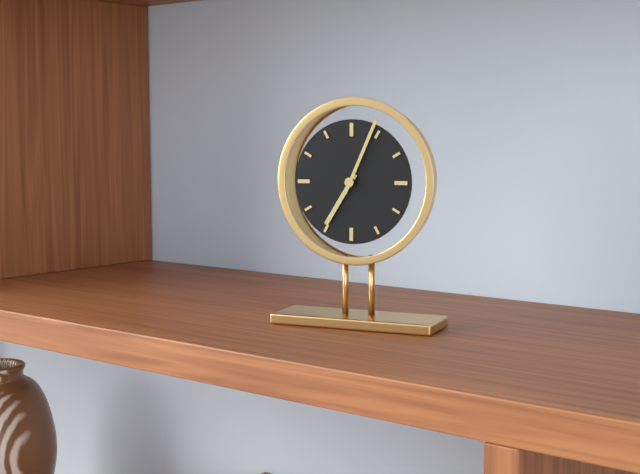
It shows 7h04
